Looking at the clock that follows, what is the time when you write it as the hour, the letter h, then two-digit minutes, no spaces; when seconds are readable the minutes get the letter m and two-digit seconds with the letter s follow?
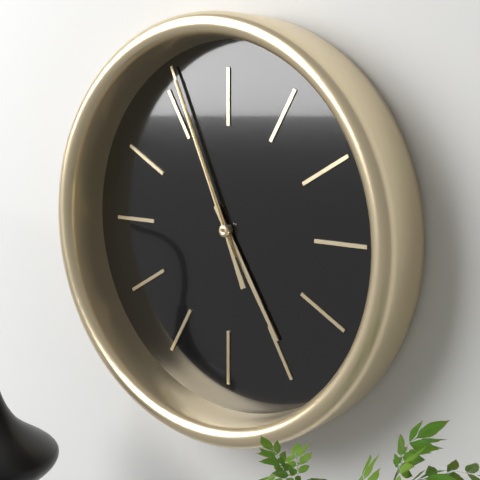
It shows 4h56m56s
